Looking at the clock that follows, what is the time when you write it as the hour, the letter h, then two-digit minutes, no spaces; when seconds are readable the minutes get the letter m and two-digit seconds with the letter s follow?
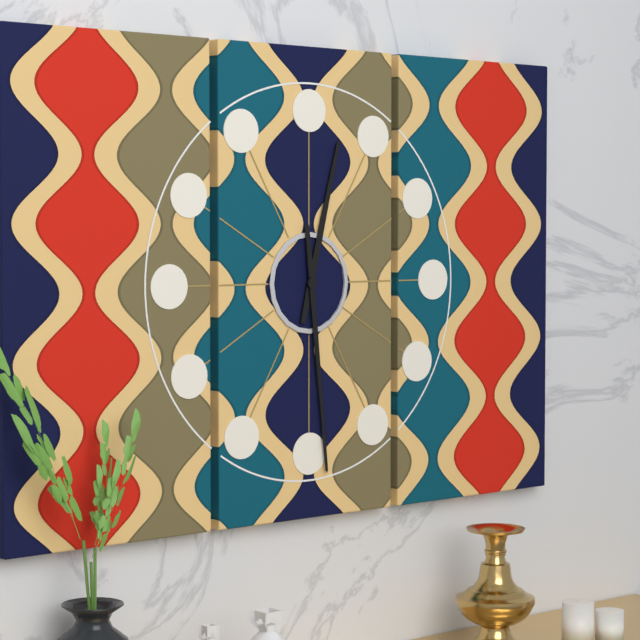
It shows 12h29
